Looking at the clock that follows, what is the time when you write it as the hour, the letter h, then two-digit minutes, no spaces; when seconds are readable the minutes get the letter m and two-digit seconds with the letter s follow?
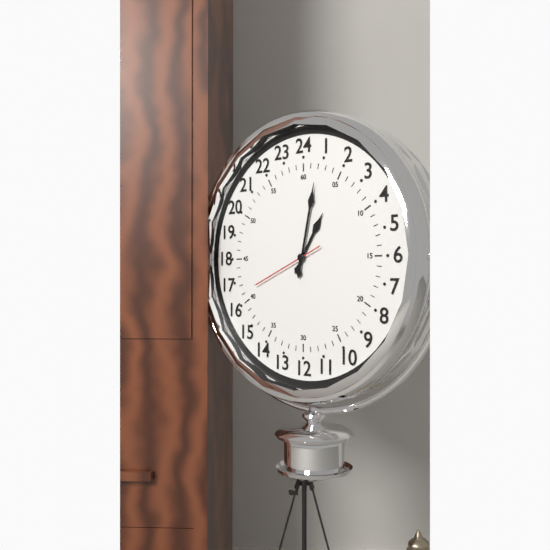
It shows 1h02m41s
